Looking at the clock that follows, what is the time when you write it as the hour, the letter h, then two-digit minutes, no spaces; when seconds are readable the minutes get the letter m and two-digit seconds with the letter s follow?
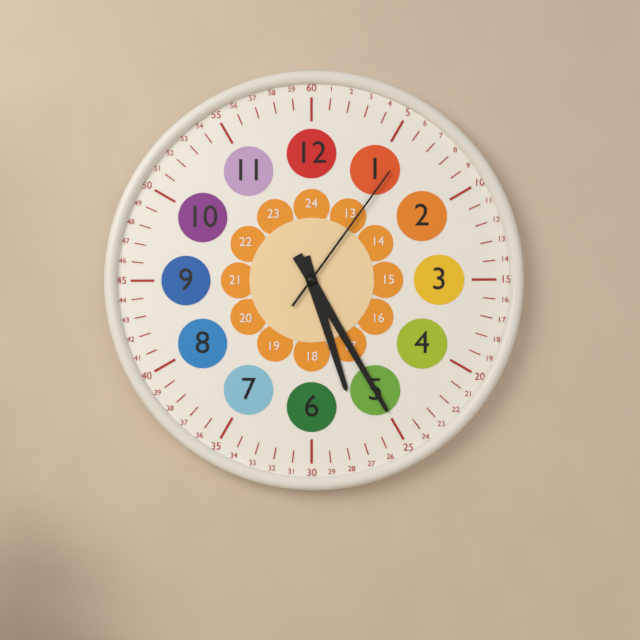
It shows 5h25m06s
